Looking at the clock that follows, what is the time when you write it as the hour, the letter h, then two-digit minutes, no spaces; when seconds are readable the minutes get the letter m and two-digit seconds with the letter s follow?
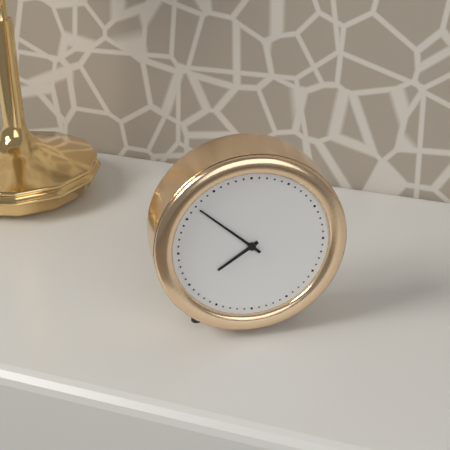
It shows 7h52
